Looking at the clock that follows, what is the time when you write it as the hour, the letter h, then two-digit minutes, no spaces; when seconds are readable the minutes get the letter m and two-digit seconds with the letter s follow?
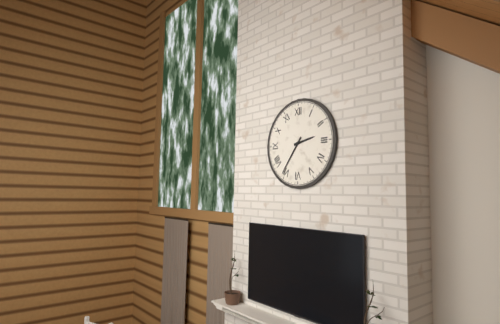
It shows 2h36
